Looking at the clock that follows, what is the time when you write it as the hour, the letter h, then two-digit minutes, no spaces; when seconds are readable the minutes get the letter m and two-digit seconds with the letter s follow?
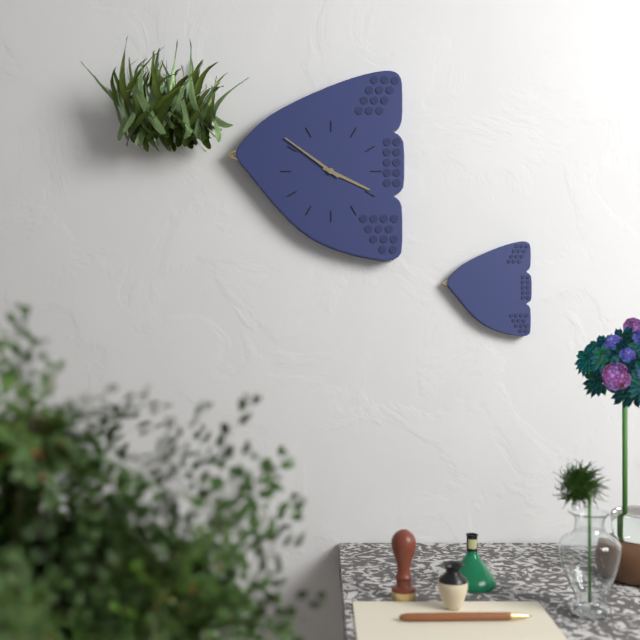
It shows 3h51
